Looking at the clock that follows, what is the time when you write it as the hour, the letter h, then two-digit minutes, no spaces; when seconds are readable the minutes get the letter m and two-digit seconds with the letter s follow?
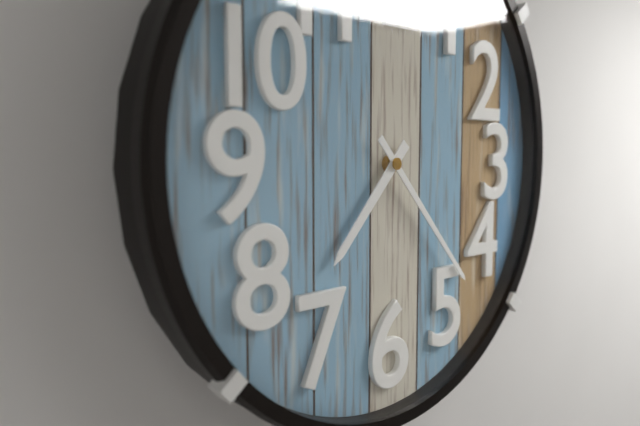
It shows 7h23
